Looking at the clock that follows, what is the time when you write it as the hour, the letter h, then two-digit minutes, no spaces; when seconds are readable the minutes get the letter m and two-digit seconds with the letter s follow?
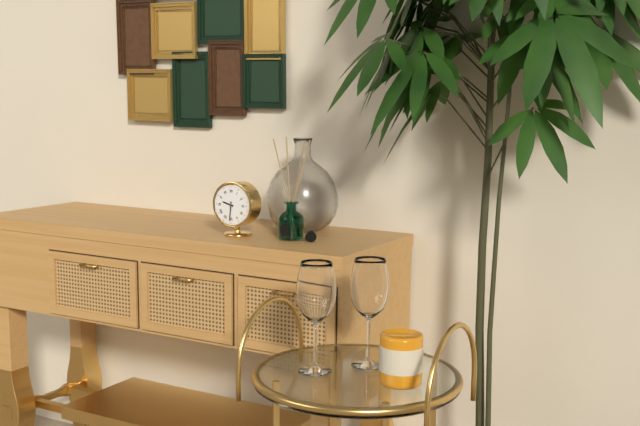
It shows 9h31
